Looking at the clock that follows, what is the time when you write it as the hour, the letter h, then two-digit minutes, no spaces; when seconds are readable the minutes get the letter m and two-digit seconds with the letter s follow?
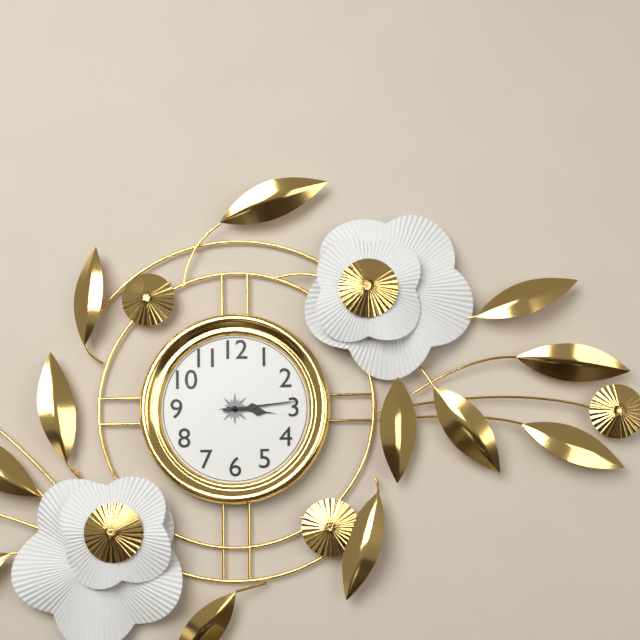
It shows 3h14
